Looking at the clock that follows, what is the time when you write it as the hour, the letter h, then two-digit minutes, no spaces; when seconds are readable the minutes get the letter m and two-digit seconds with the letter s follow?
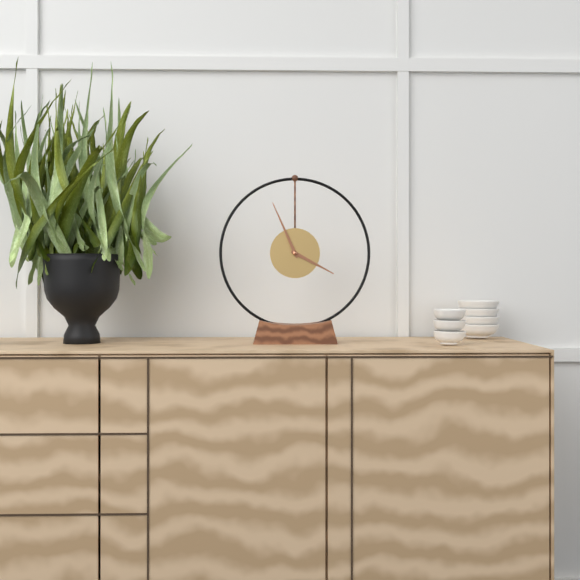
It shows 3h56
